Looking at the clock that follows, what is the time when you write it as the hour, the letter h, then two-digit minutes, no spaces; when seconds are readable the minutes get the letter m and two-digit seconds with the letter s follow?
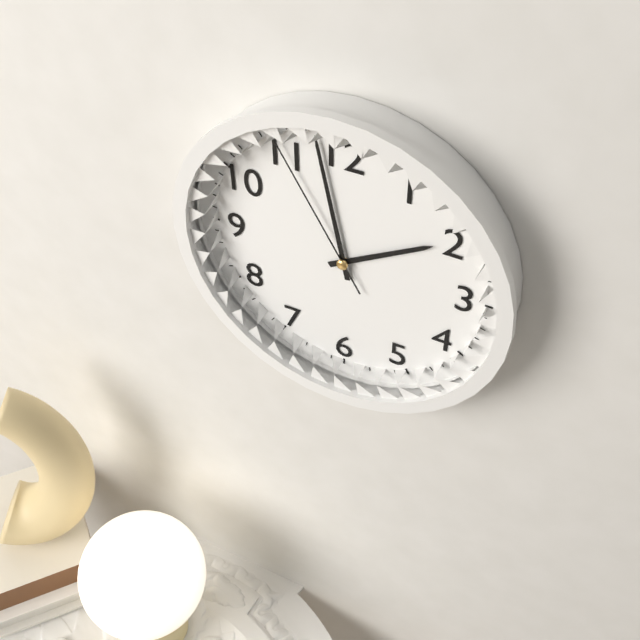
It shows 1h58m55s
